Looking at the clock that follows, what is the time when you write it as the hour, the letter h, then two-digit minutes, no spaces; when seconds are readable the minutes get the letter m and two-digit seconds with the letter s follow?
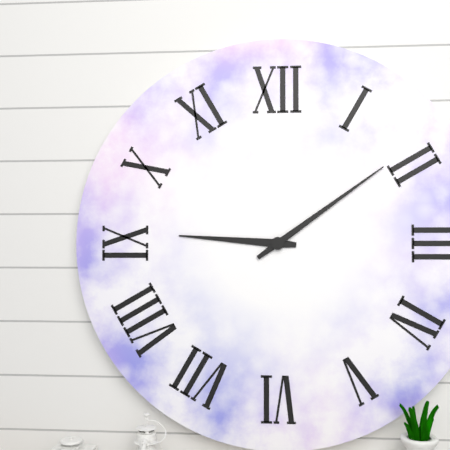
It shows 9h09
